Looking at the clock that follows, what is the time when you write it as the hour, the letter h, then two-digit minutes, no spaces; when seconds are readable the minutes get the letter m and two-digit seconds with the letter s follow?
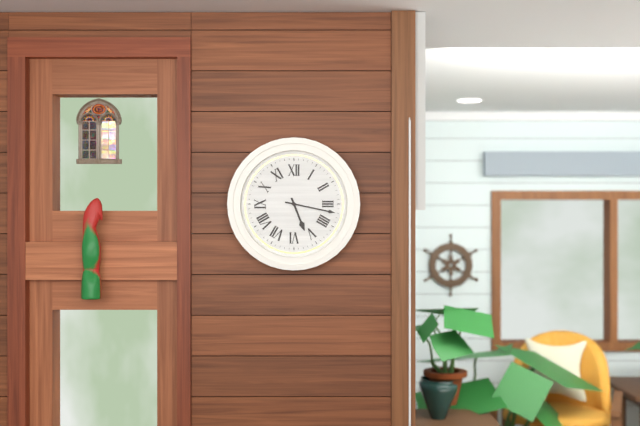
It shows 5h17
